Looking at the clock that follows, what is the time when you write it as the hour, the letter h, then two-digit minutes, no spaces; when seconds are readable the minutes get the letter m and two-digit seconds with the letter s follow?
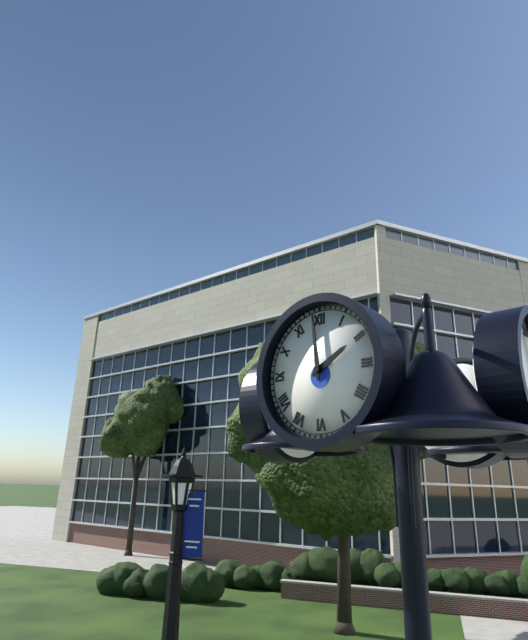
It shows 1h59
